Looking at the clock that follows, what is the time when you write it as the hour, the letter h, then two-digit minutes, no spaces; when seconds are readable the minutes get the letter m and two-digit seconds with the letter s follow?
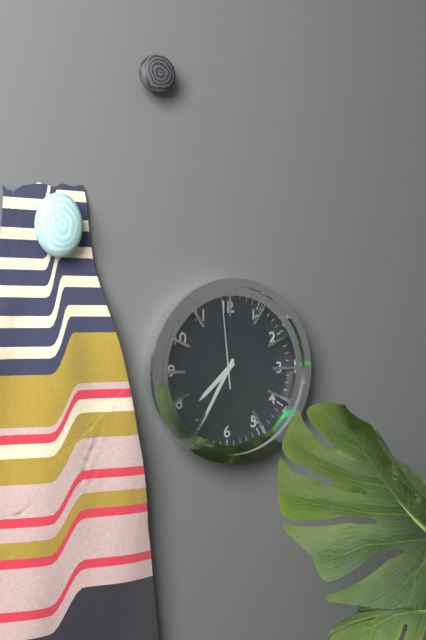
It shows 7h35m59s
